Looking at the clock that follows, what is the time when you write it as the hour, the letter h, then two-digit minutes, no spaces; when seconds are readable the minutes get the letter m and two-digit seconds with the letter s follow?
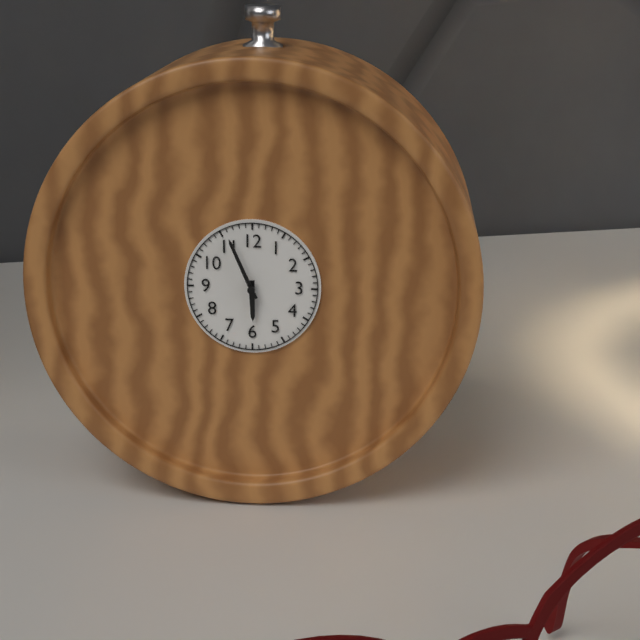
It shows 5h56
